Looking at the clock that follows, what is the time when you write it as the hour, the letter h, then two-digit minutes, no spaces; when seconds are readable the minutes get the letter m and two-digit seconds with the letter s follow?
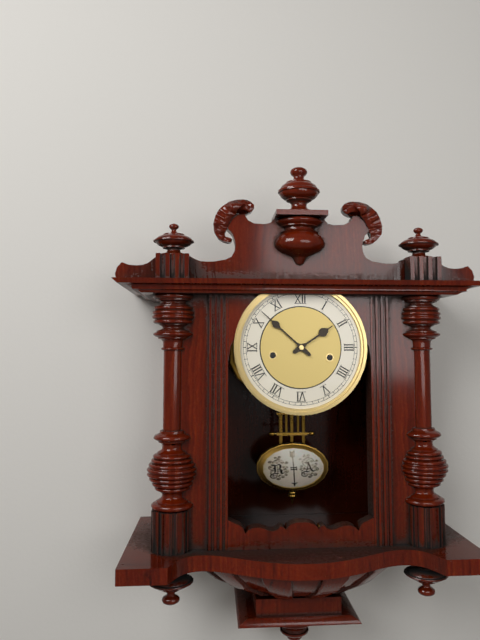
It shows 1h52
